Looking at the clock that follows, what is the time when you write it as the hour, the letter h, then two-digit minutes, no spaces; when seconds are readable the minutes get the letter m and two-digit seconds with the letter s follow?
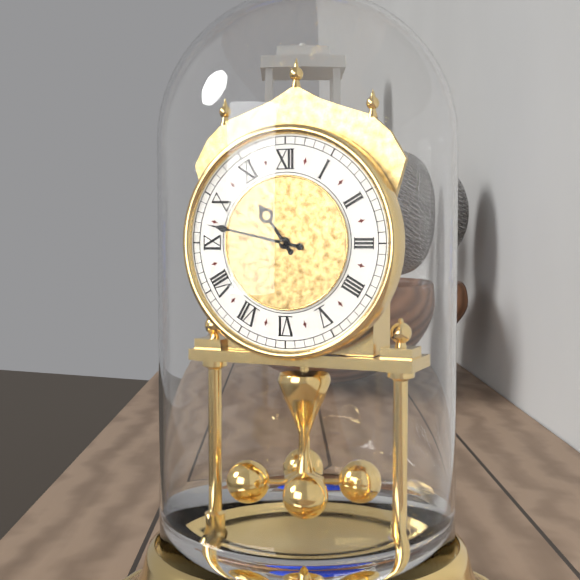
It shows 10h47
